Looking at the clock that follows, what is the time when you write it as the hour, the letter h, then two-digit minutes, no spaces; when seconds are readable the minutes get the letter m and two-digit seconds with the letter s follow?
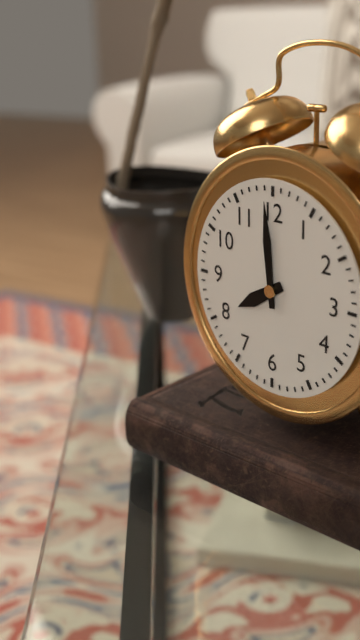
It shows 7h59
